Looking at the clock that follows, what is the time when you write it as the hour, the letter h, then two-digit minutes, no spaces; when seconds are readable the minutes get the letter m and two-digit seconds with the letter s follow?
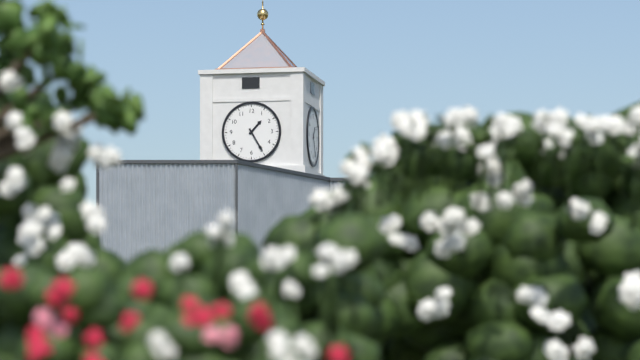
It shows 1h25
